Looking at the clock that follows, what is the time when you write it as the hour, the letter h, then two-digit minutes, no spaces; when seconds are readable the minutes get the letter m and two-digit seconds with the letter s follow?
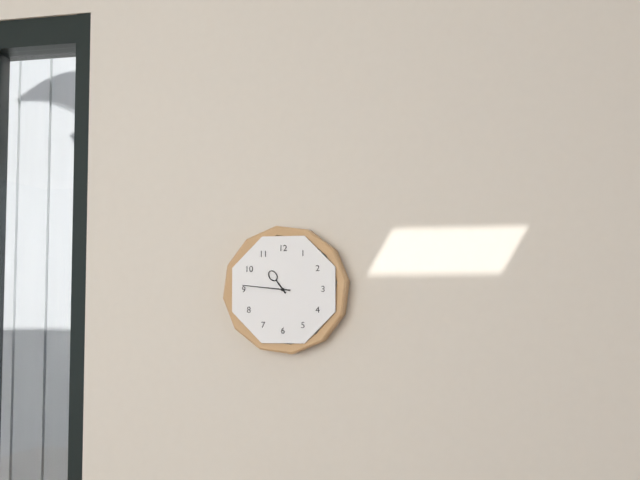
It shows 10h46
